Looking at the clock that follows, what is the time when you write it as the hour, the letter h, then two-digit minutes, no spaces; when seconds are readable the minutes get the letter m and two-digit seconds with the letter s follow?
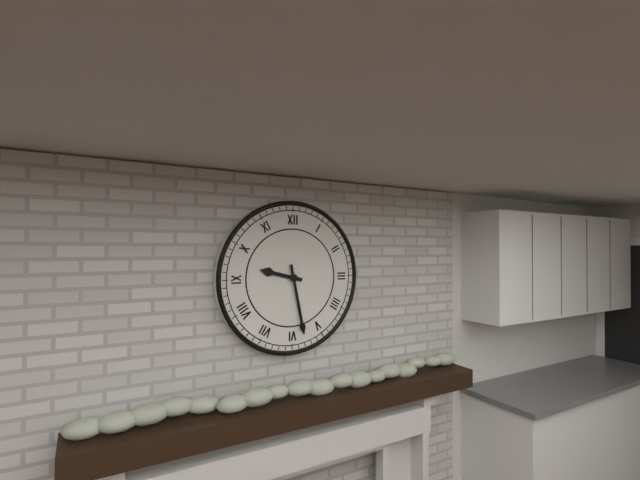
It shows 9h28
